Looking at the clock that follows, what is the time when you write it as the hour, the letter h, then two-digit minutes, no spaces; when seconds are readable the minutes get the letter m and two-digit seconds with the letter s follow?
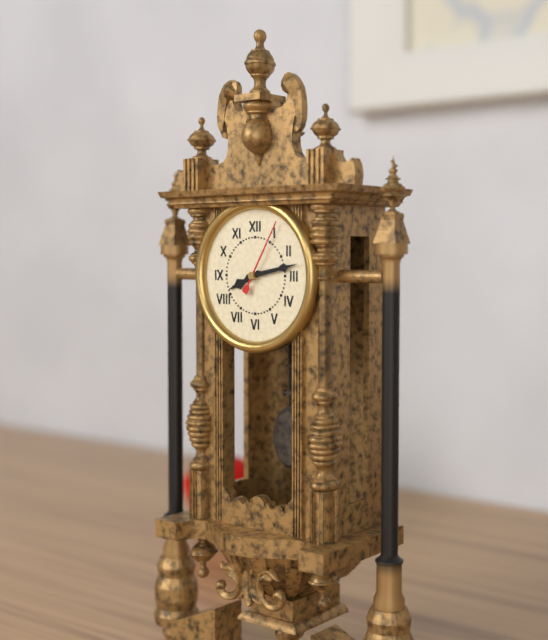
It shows 8h13m05s
